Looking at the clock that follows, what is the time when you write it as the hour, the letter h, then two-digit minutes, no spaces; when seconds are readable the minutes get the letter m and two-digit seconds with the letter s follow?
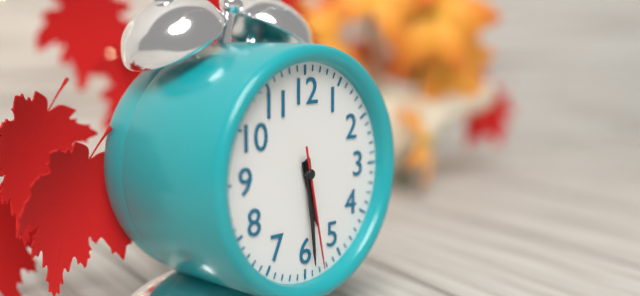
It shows 5h29m28s
